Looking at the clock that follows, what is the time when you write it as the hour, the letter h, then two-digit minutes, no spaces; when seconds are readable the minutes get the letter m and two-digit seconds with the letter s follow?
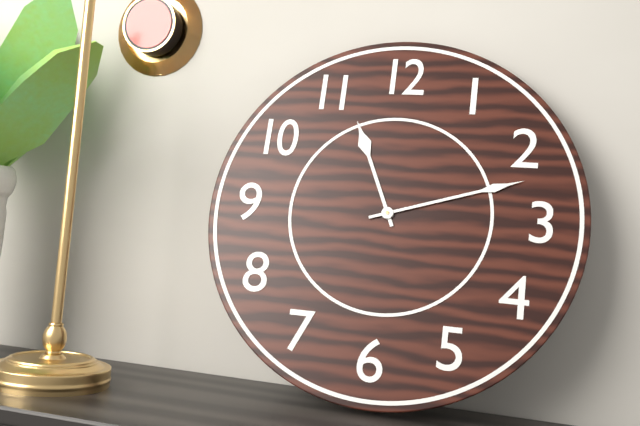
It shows 11h12
